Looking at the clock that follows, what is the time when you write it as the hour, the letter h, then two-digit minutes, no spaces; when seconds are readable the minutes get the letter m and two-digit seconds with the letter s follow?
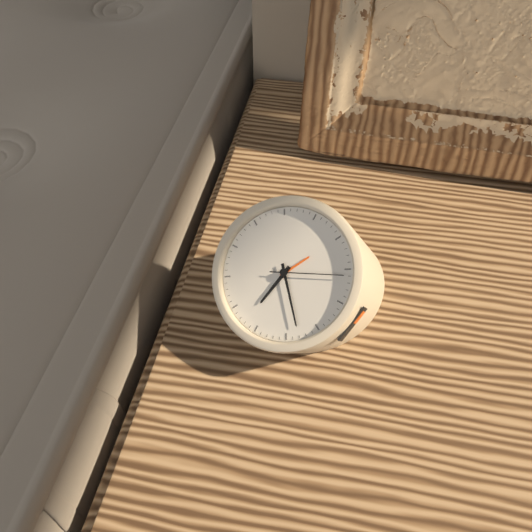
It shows 6h23m11s
